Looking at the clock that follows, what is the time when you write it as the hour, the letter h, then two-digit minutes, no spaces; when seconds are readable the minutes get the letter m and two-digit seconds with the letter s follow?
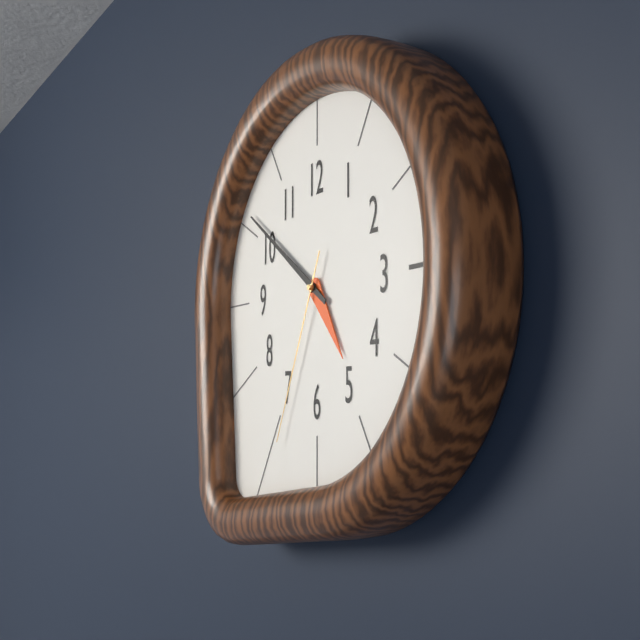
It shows 4h51m34s
